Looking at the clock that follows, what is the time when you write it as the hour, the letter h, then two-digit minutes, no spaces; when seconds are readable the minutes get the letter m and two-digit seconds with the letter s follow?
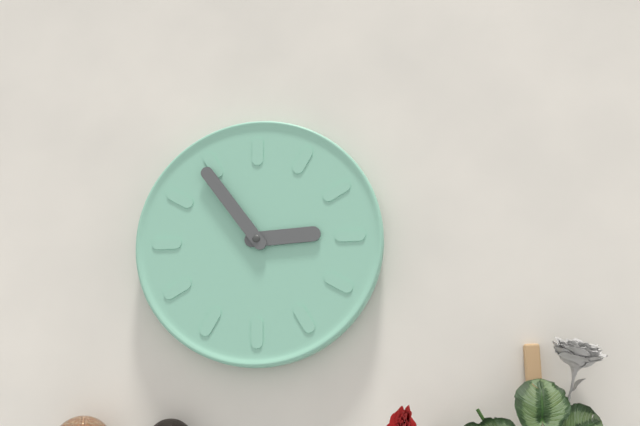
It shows 2h54
